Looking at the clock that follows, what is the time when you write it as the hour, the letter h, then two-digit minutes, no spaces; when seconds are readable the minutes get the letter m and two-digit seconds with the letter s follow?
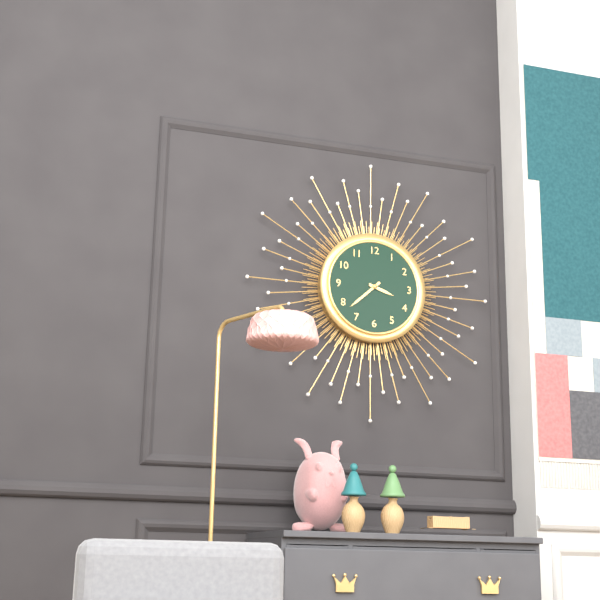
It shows 3h38
